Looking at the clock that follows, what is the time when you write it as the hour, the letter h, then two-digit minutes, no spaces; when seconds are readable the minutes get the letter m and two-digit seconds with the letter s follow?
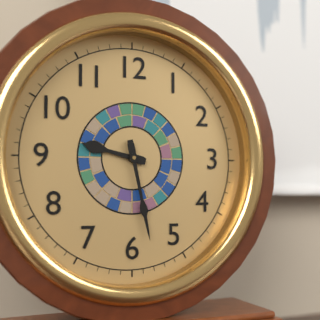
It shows 9h28
